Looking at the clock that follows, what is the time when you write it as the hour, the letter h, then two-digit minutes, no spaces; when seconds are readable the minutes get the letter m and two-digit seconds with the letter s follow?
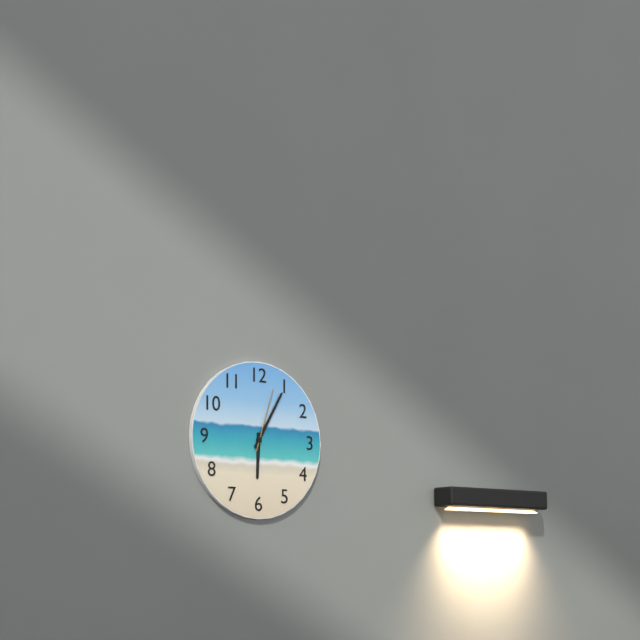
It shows 6h05m03s
